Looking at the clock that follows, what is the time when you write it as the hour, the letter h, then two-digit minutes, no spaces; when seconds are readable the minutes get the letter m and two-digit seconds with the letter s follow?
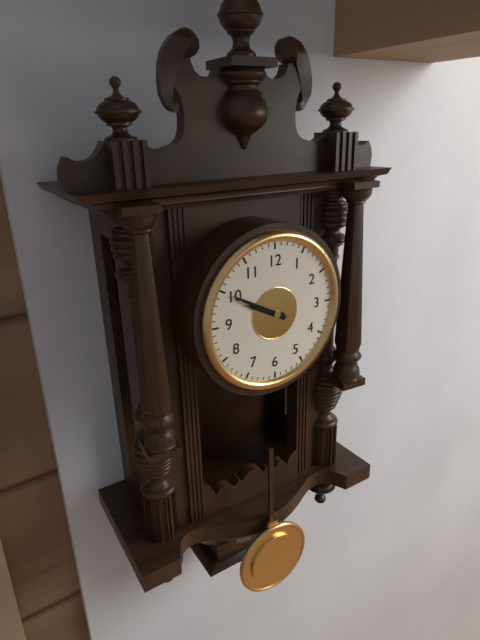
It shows 9h50
